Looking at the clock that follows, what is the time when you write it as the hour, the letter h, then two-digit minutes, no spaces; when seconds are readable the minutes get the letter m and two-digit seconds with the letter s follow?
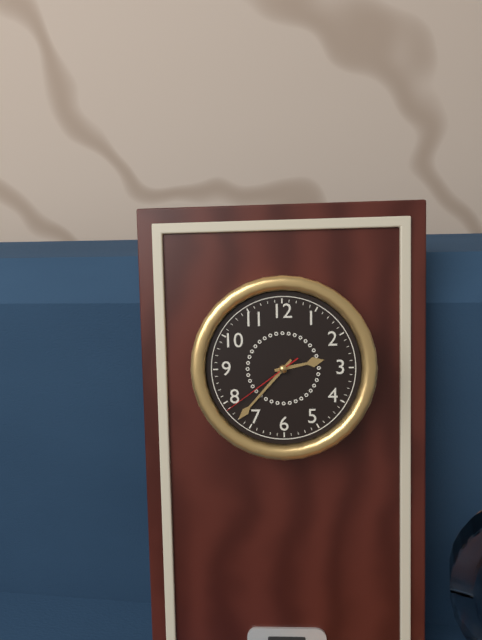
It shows 2h37m39s
